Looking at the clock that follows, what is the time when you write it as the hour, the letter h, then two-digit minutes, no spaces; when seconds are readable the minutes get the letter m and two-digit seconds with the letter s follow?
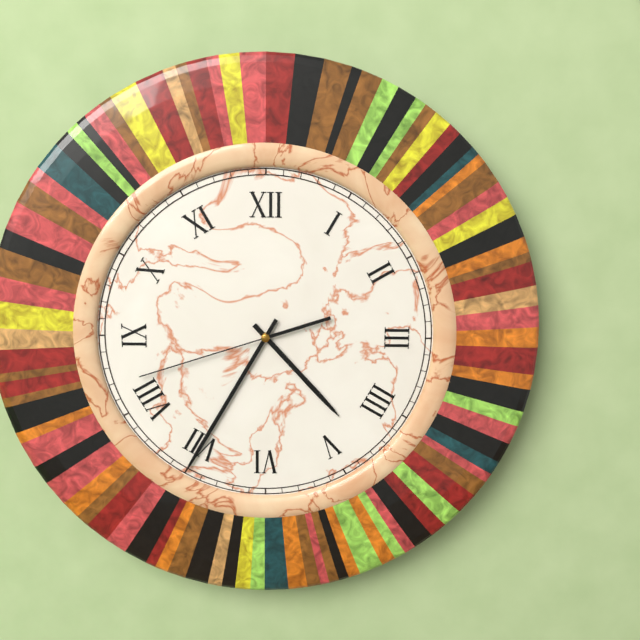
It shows 4h35m42s
